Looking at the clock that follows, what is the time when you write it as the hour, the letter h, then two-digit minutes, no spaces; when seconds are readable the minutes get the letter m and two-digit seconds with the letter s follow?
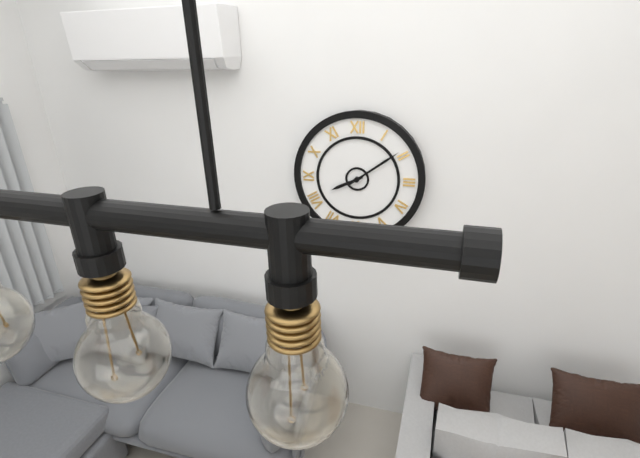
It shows 8h09
